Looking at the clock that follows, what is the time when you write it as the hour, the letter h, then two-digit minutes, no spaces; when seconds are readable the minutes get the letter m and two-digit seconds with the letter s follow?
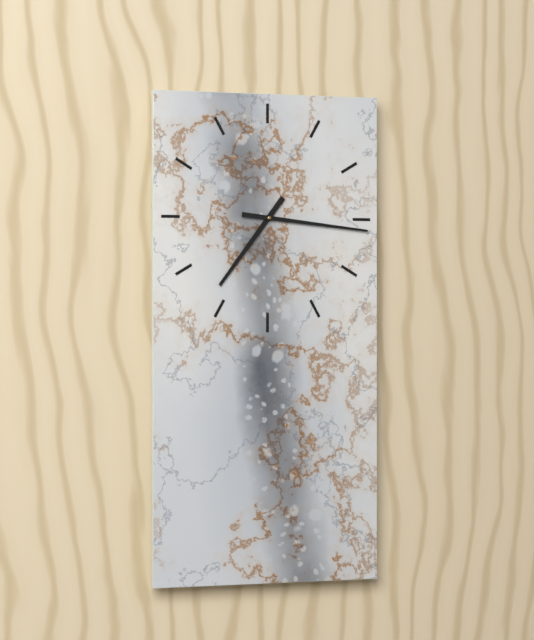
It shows 7h16
